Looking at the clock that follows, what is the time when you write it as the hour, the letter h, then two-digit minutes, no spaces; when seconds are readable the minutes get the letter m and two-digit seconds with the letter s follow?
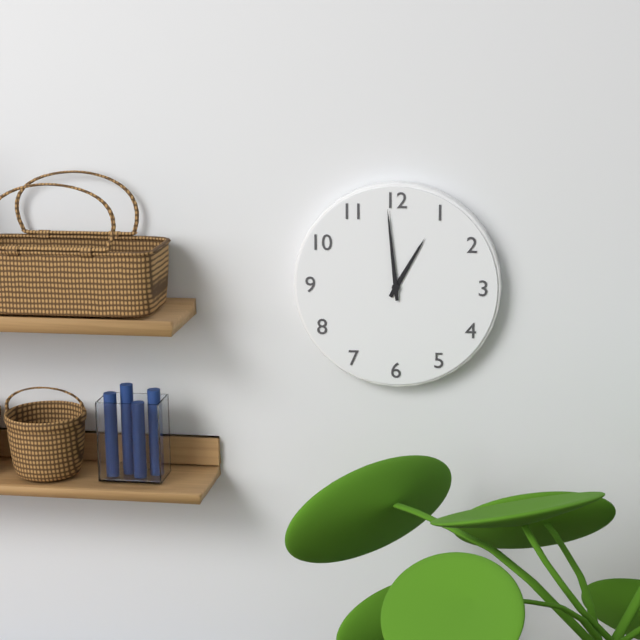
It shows 12h59
